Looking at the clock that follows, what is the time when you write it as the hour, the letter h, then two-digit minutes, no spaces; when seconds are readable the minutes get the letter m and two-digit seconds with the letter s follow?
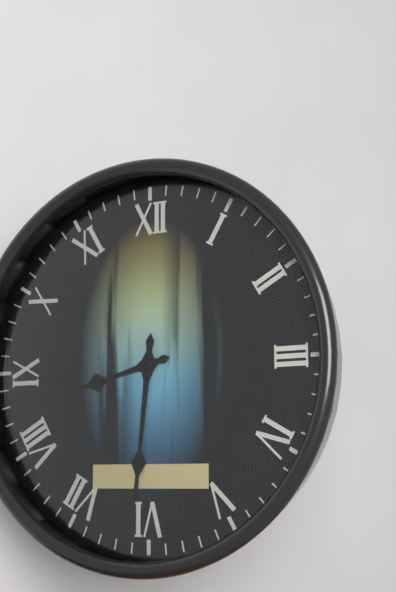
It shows 8h31
